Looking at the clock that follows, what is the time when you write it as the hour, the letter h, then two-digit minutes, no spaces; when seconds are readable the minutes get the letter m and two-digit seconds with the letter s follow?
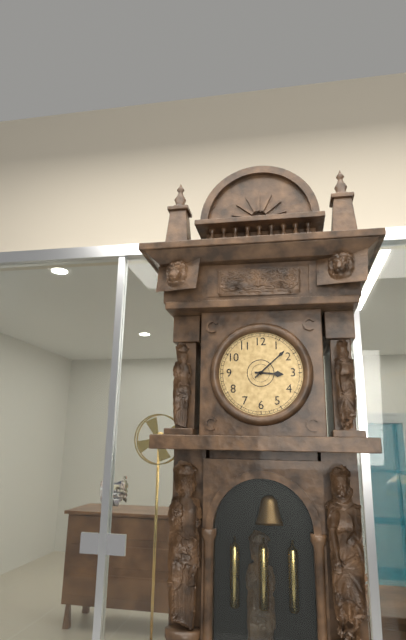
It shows 3h08
